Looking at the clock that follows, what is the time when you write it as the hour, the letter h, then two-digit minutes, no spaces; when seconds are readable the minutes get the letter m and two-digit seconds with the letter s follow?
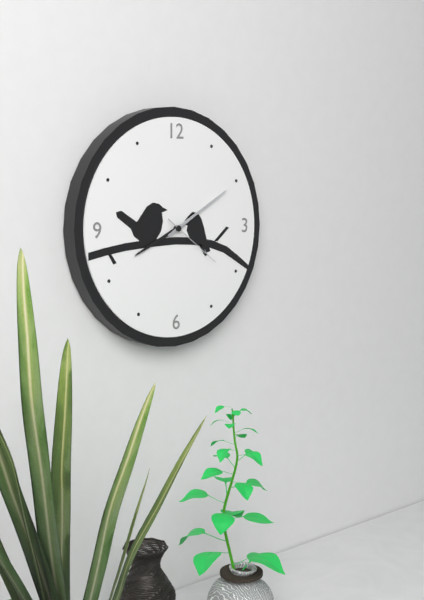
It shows 8h10m21s
